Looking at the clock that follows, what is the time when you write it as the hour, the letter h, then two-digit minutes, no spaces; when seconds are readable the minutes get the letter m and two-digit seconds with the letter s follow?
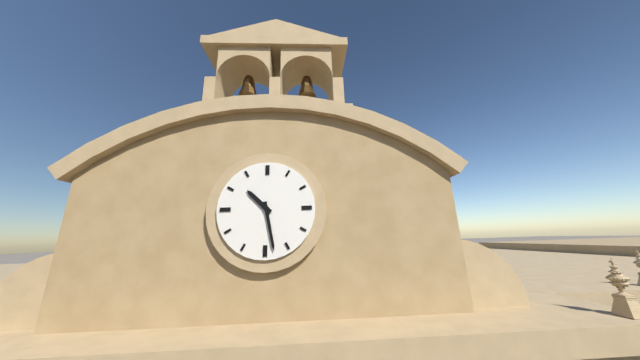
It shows 10h28
